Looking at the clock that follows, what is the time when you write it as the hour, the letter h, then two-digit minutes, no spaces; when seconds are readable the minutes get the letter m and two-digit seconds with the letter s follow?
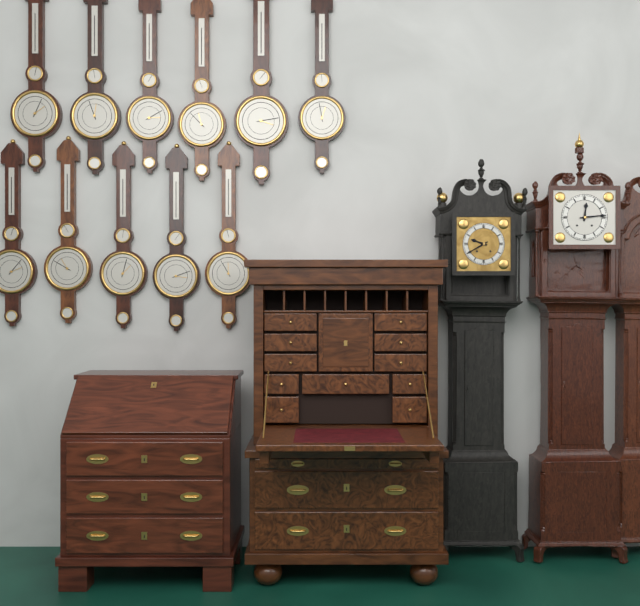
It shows 12h14
